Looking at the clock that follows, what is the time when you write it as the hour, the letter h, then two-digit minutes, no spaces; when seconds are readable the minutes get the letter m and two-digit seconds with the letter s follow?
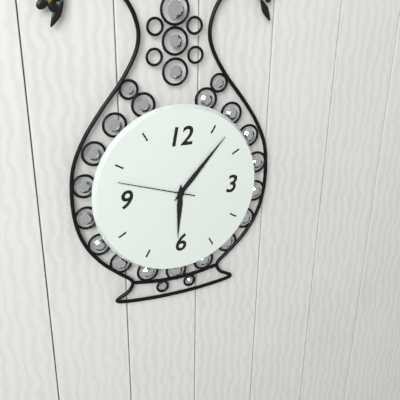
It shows 6h07m48s
